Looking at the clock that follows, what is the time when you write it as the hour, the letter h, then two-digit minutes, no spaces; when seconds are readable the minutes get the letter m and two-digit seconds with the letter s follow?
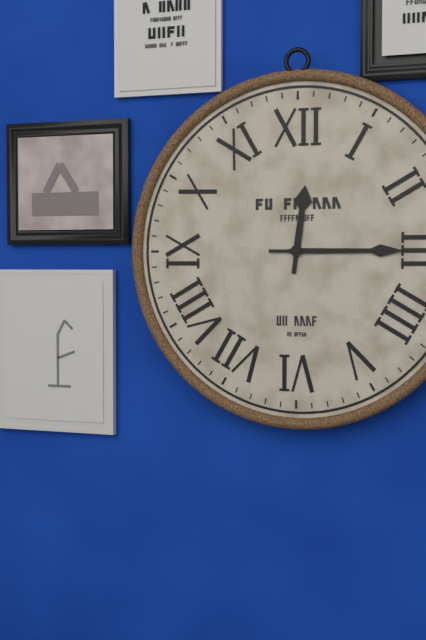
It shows 12h15
